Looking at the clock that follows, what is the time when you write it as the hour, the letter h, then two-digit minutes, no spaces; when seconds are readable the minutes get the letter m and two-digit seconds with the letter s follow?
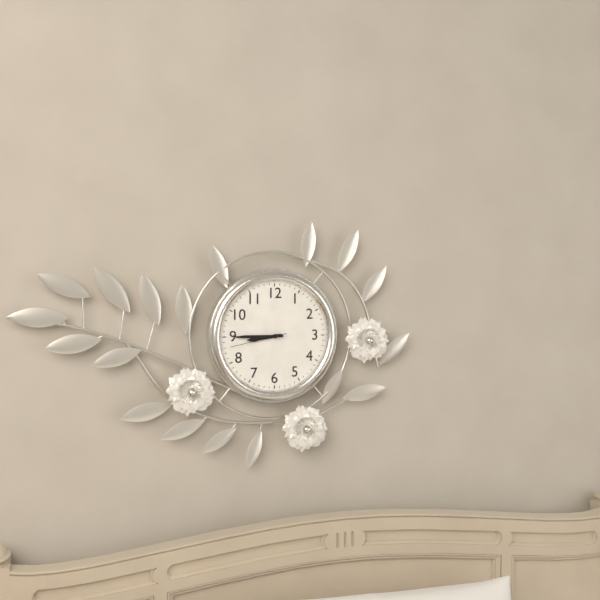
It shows 8h45m43s
